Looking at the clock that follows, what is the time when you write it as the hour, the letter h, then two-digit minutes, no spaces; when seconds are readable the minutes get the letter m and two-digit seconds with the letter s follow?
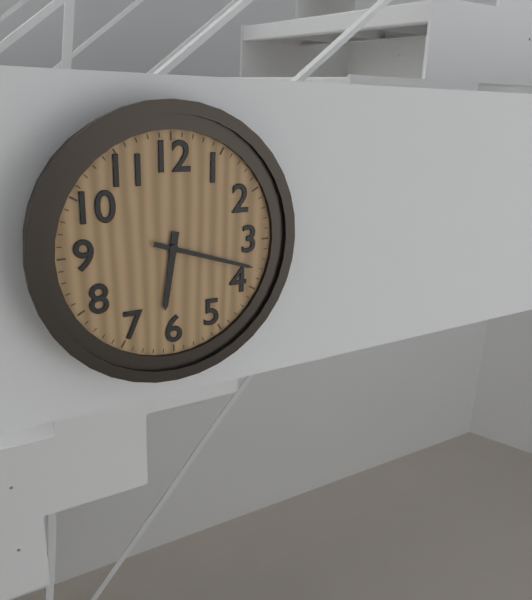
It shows 6h18
